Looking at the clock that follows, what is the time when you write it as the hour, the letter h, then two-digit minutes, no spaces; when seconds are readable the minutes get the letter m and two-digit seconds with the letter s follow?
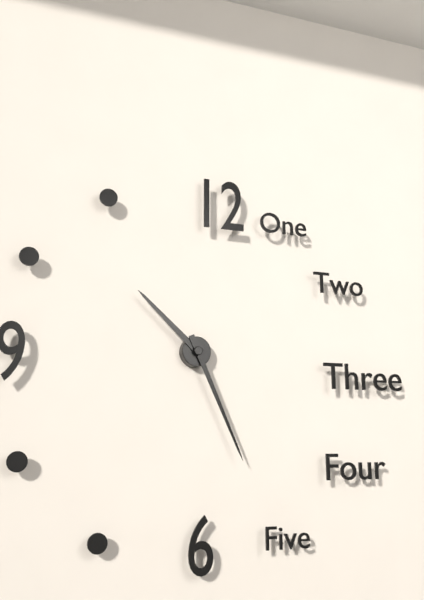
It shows 10h26
